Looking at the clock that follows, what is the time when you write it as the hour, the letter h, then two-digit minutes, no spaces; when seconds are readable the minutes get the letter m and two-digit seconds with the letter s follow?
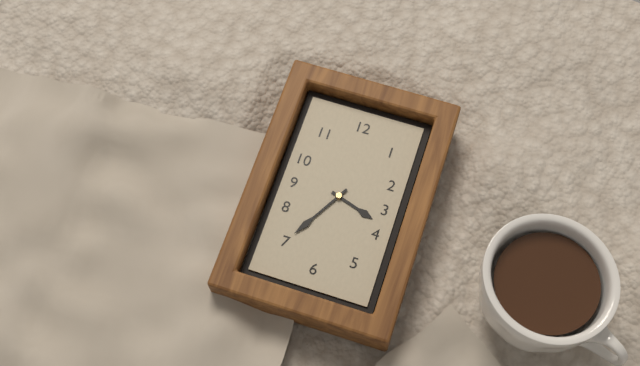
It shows 3h35
